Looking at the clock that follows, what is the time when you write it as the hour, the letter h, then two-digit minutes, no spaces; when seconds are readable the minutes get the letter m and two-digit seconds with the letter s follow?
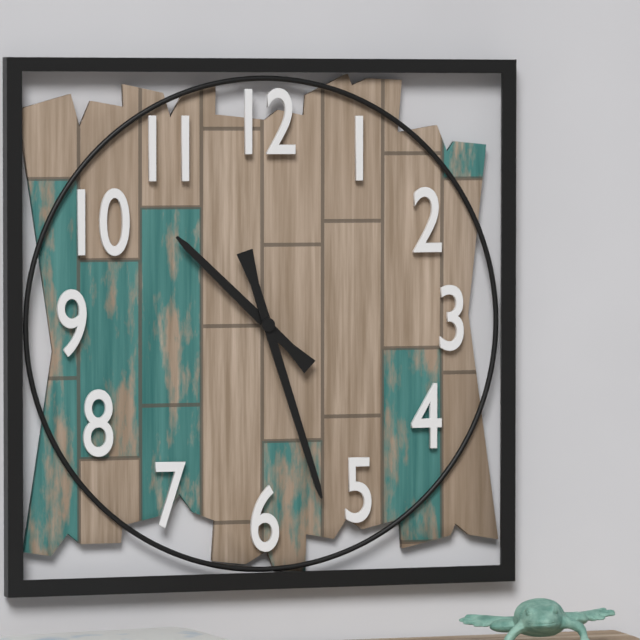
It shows 10h27
